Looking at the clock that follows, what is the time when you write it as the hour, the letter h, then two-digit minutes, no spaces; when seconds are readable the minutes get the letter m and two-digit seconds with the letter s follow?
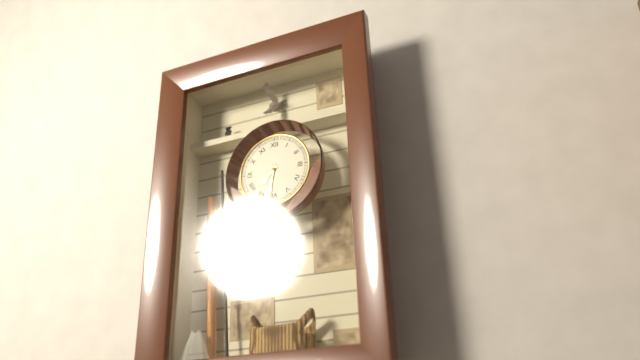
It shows 7h32
